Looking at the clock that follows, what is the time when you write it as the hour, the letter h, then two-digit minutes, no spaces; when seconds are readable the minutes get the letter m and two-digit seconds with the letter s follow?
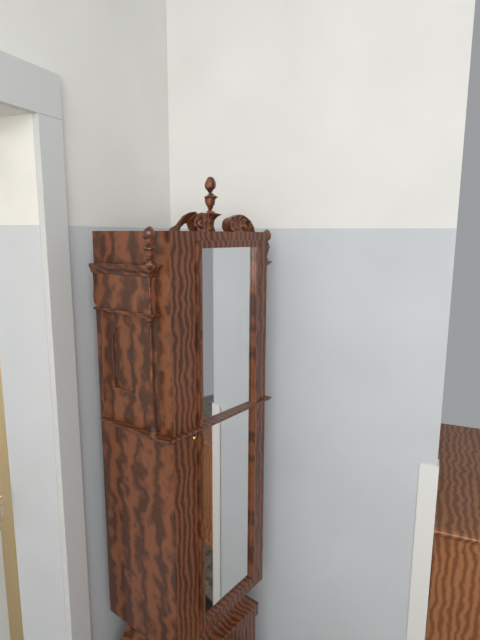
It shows 4h46
